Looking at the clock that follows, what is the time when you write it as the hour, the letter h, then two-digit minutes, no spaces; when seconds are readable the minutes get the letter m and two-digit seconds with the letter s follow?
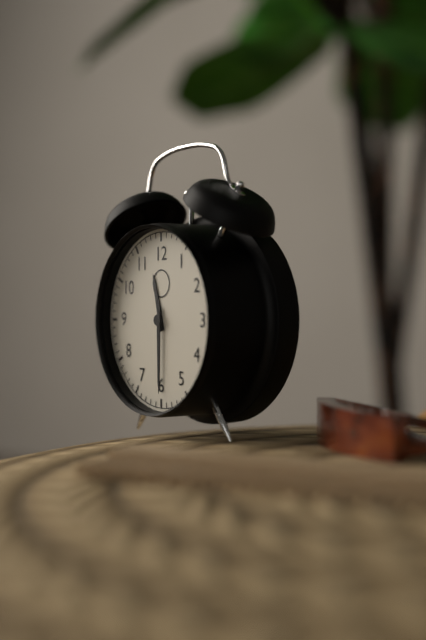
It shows 11h30
